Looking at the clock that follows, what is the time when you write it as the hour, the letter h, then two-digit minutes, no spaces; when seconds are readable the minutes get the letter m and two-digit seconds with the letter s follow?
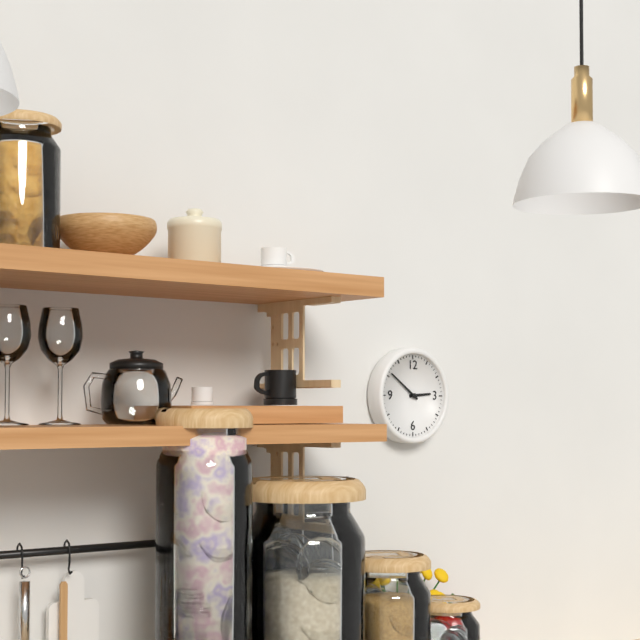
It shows 2h51
